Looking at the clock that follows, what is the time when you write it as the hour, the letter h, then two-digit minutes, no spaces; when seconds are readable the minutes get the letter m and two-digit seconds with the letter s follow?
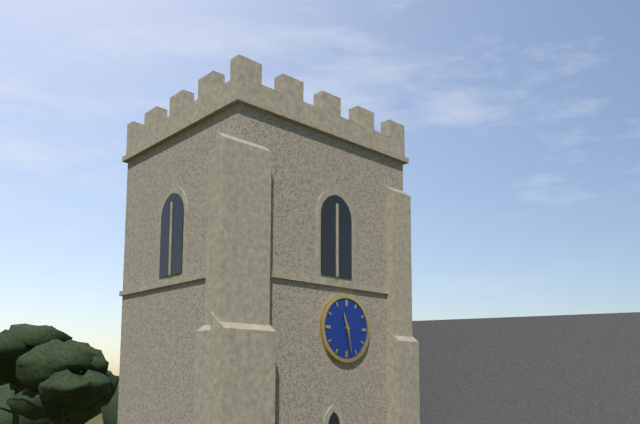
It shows 11h28
